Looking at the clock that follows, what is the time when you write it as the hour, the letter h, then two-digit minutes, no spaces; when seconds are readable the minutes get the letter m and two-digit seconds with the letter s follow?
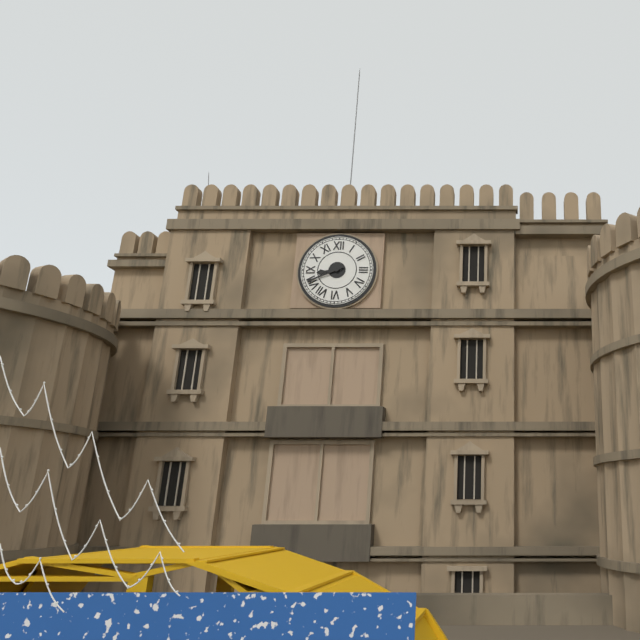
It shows 8h41
